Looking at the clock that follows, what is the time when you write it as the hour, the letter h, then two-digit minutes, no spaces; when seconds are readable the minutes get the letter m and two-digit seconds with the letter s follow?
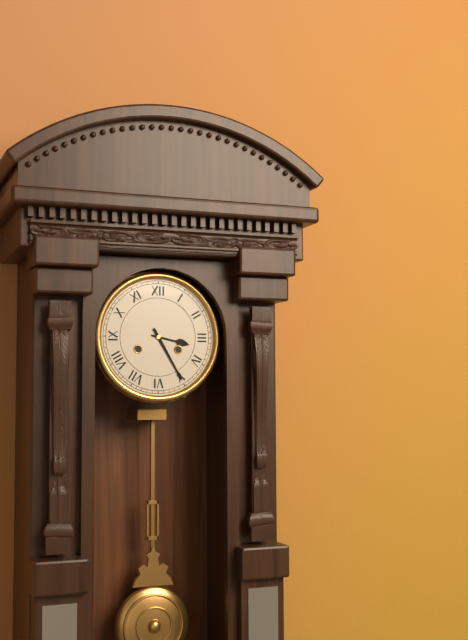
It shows 3h25
